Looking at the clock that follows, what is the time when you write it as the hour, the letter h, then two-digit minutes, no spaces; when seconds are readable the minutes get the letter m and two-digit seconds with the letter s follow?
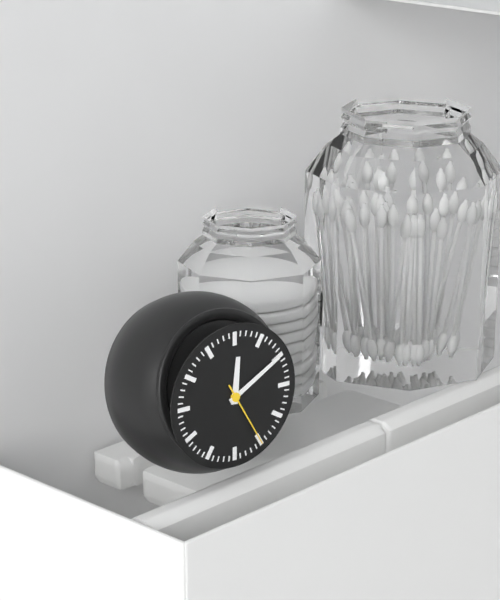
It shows 12h10m25s
